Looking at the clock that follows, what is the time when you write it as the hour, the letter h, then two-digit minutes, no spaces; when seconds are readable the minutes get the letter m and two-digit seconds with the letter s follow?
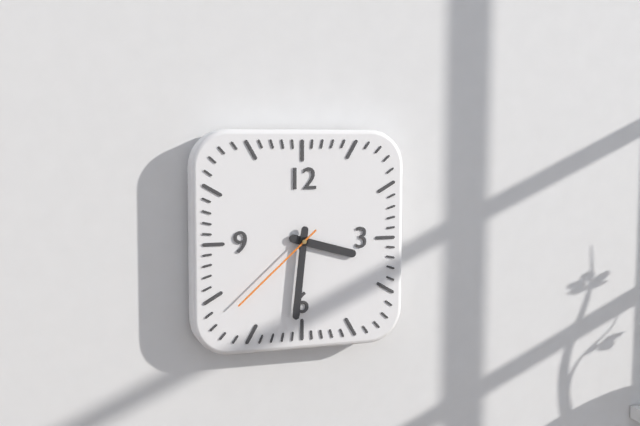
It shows 3h31m38s
